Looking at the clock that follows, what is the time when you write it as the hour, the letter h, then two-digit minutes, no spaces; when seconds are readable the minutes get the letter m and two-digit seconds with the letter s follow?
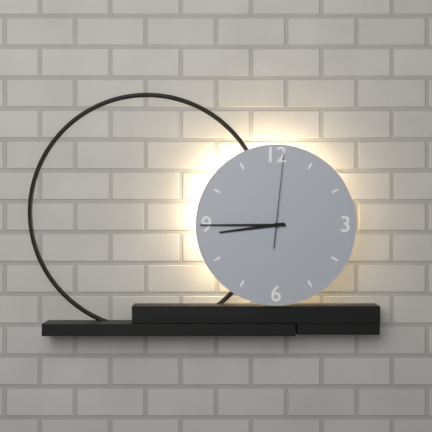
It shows 8h45m01s
